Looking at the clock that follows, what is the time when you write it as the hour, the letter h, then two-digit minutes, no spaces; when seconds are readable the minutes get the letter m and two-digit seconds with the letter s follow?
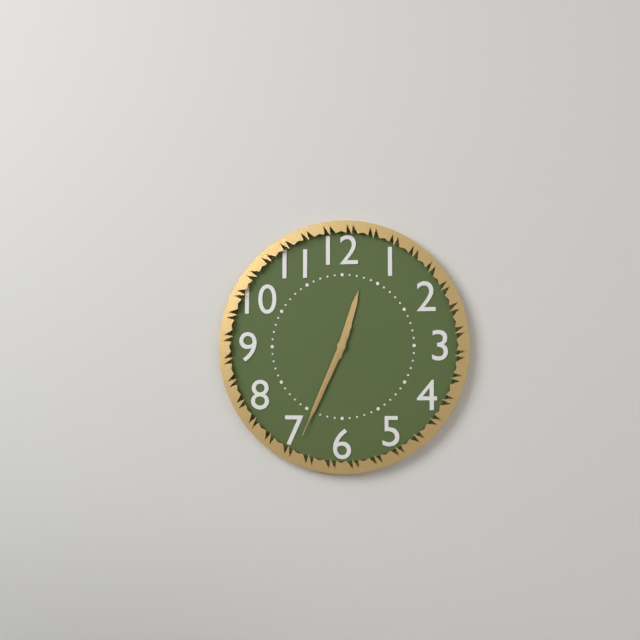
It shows 12h34m34s
